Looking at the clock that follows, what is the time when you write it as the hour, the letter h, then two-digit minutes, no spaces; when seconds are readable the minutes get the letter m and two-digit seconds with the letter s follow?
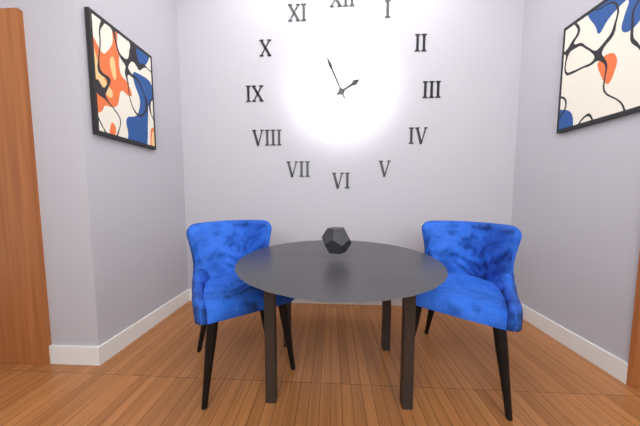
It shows 1h56
